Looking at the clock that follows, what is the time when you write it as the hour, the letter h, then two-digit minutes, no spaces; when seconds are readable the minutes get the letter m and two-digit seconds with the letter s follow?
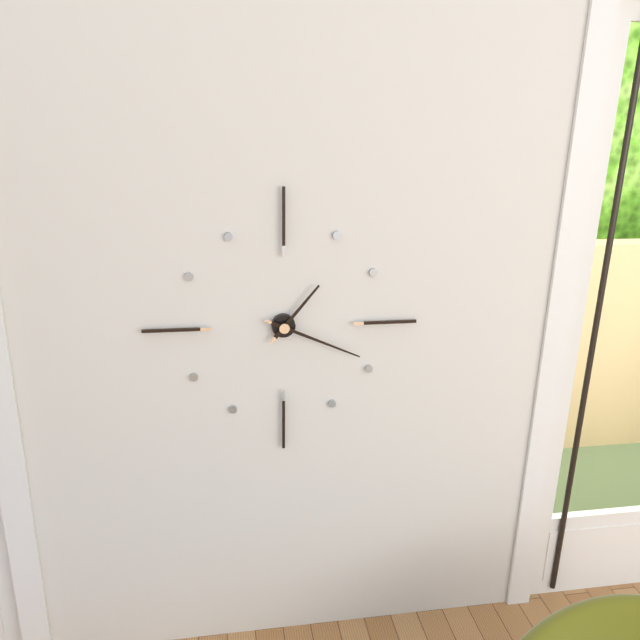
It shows 1h19
